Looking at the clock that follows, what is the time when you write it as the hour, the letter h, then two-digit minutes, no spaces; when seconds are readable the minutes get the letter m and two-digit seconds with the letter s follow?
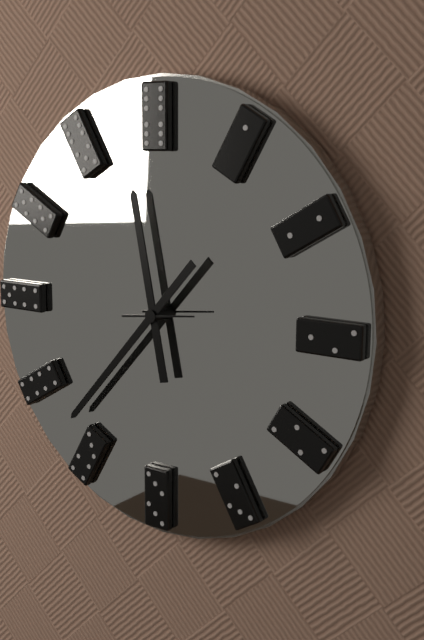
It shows 11h37
